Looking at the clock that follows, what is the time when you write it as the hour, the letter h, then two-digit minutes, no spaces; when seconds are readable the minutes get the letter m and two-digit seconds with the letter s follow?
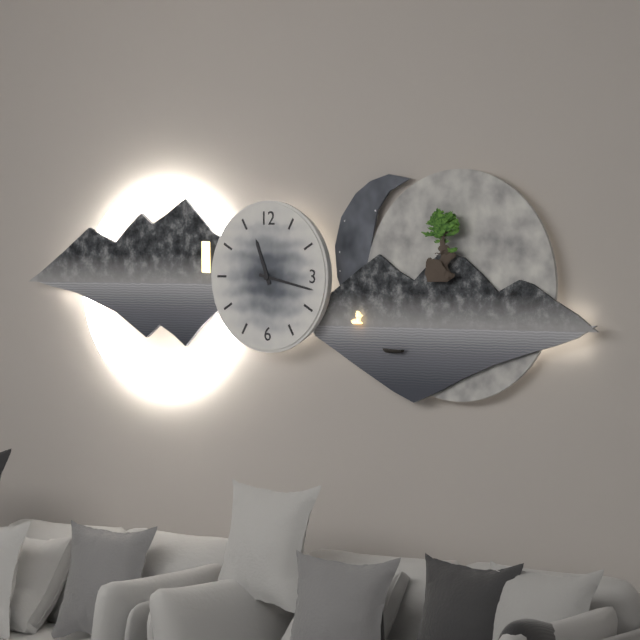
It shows 11h17
